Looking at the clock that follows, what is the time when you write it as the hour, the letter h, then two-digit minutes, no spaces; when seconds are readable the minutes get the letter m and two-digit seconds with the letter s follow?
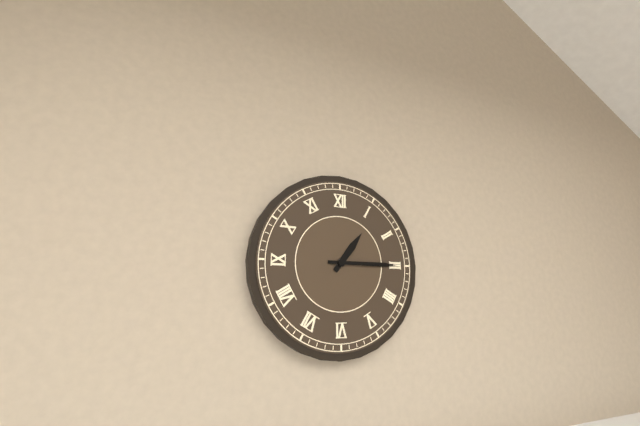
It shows 1h15
